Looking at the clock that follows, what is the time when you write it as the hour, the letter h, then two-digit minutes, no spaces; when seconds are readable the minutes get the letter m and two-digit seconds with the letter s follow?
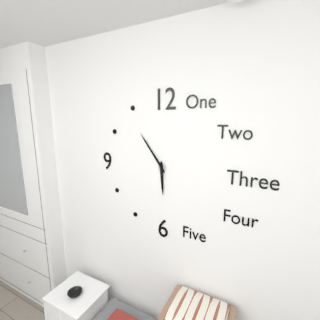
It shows 5h54
